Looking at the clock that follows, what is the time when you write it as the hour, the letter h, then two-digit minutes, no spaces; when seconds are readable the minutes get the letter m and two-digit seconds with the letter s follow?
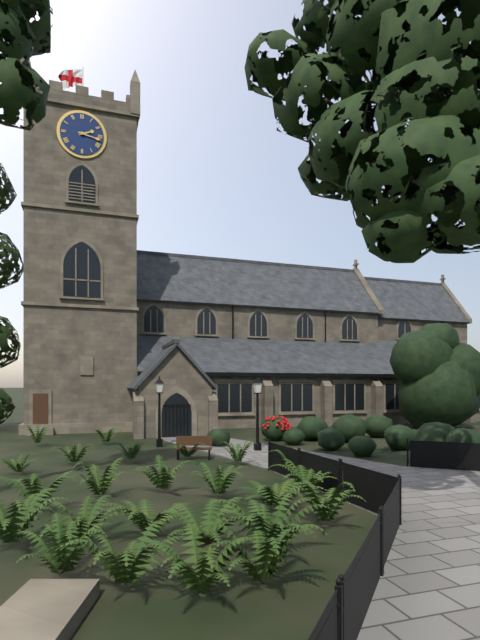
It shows 2h17
